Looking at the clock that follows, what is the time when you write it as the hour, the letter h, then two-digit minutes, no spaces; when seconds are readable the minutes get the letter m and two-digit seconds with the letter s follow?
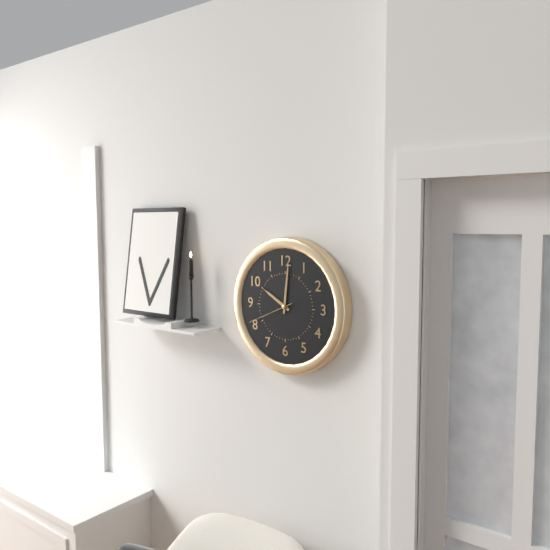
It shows 10h01
